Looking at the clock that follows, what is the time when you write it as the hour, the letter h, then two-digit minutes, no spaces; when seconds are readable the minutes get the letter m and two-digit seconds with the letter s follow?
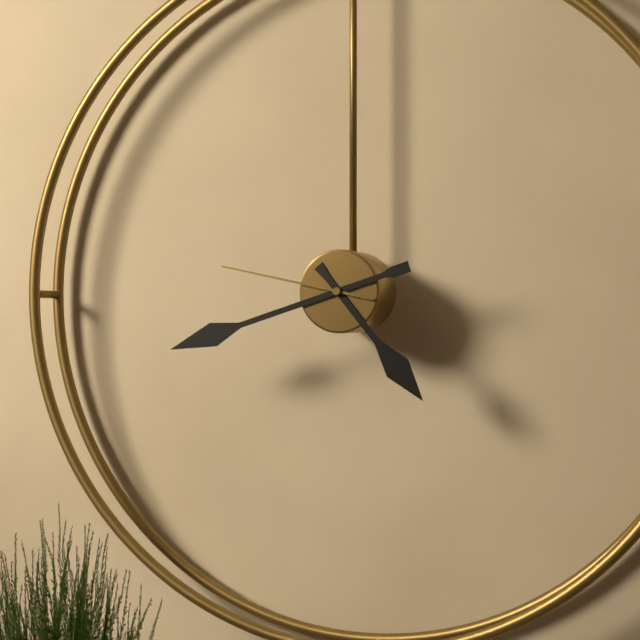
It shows 4h42m47s
